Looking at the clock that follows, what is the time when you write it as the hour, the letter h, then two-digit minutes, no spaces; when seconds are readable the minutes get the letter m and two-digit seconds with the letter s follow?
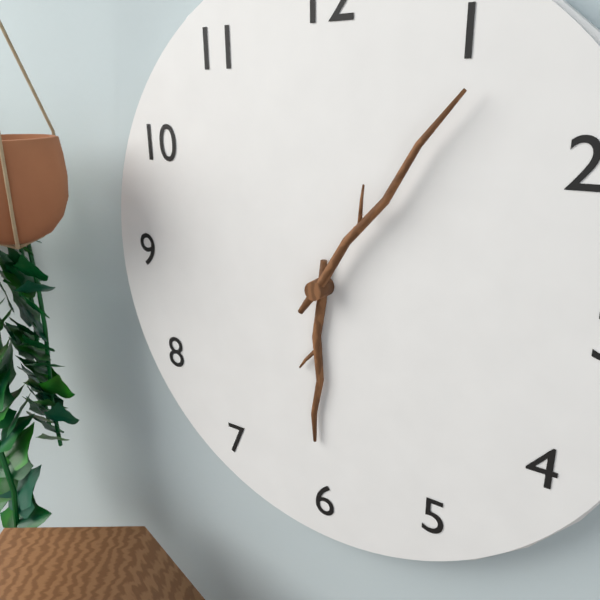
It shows 6h06
